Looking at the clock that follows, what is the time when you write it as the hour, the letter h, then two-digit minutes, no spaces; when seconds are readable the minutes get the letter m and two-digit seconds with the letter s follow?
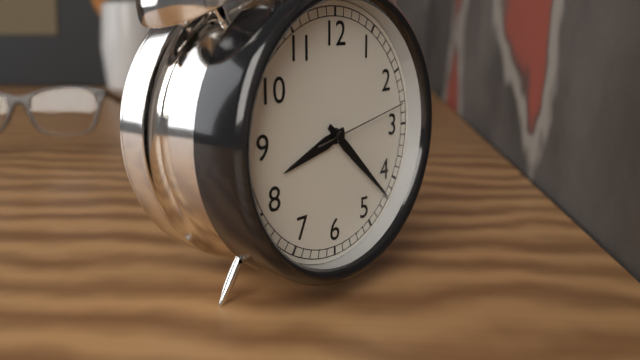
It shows 8h22m13s
